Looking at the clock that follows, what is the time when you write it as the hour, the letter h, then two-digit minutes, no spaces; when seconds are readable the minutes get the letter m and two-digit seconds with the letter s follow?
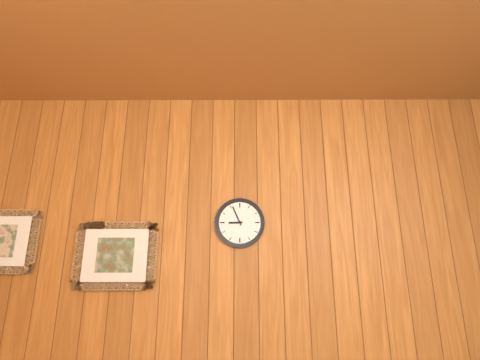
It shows 8h56
